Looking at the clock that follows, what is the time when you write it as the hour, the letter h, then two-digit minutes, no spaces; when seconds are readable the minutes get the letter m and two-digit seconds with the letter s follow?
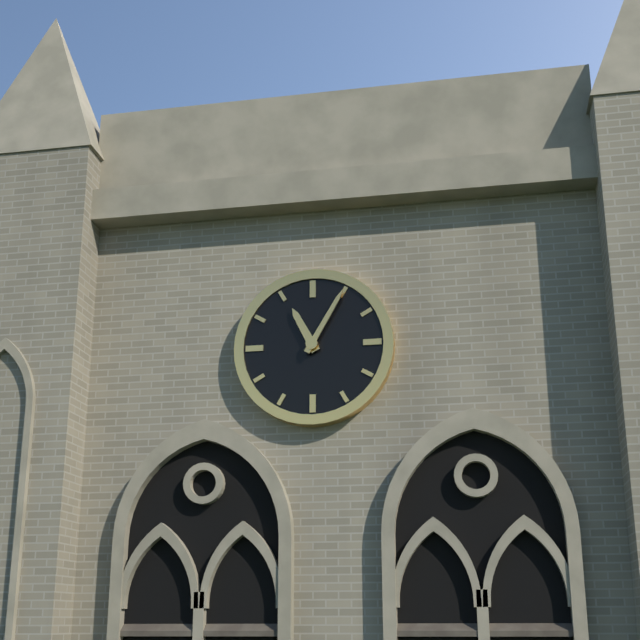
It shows 11h05
